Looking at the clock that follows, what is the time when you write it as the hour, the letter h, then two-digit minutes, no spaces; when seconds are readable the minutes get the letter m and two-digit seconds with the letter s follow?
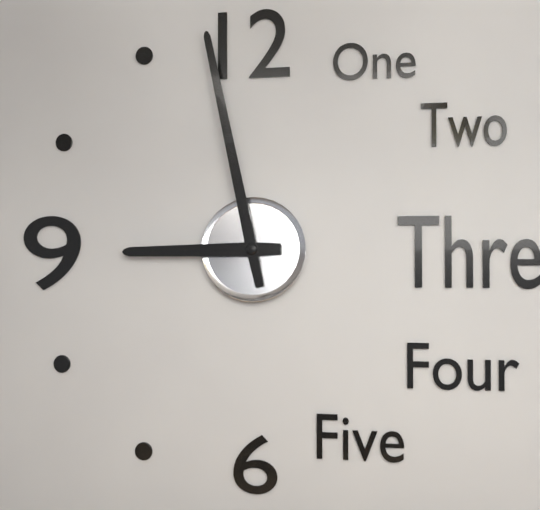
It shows 8h58
